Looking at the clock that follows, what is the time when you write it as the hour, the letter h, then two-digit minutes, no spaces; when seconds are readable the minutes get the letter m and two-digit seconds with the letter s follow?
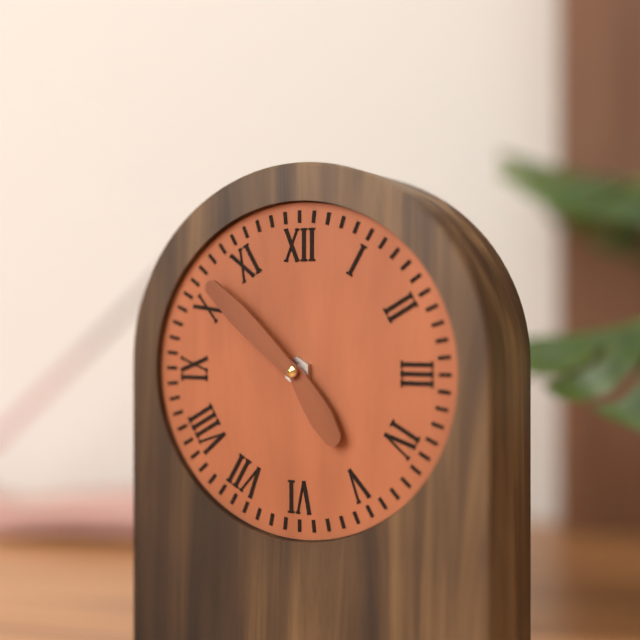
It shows 4h52
